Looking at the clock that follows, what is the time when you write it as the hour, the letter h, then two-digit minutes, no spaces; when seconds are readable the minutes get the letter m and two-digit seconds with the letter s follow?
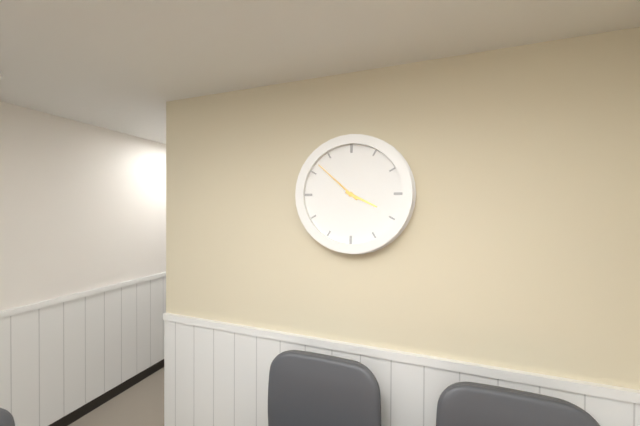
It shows 3h52
